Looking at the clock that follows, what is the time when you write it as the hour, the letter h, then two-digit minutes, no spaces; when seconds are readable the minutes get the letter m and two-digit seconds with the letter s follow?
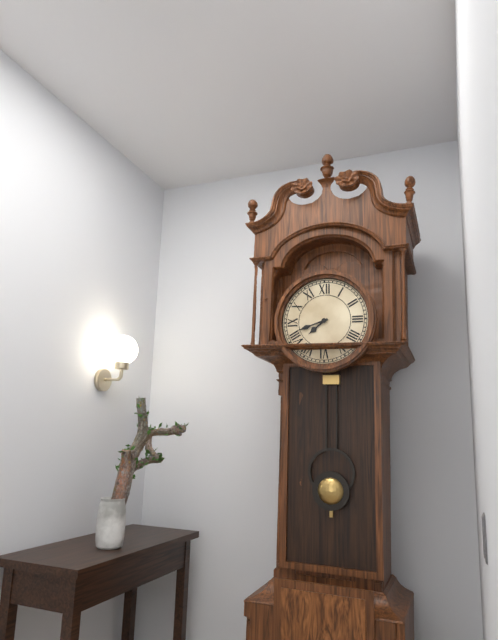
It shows 7h42
